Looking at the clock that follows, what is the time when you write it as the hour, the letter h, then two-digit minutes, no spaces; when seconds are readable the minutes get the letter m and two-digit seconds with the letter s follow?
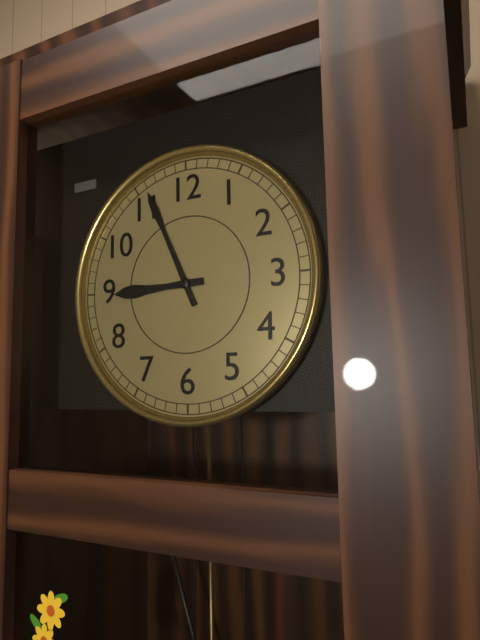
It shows 8h56
